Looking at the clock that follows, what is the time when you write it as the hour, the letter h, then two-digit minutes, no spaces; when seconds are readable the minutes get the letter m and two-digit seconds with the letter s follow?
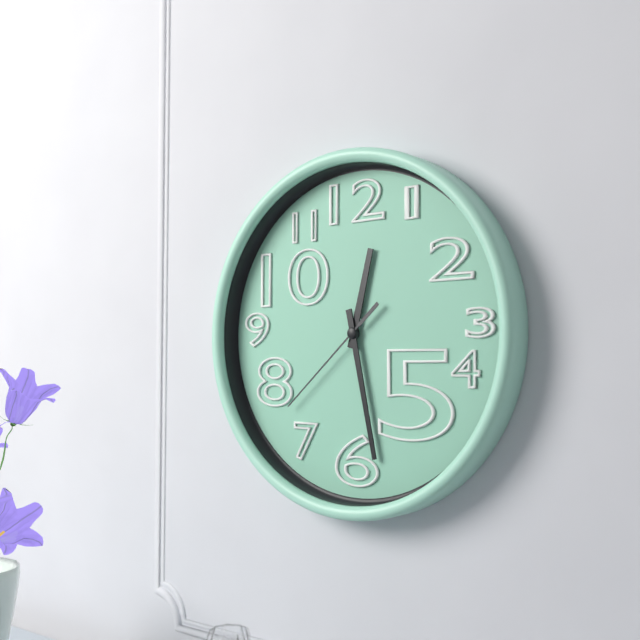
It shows 12h28m38s
